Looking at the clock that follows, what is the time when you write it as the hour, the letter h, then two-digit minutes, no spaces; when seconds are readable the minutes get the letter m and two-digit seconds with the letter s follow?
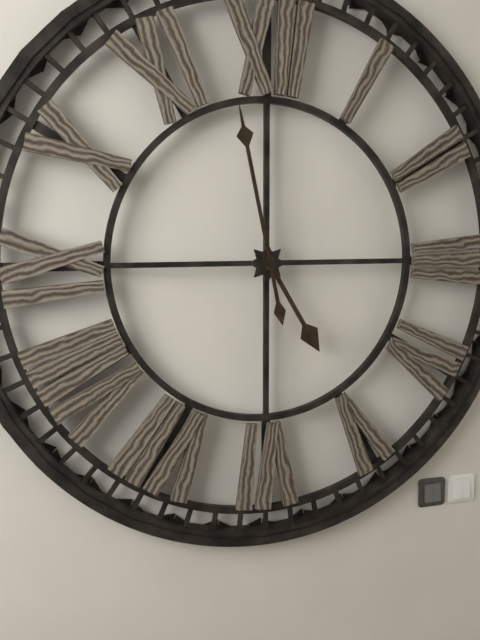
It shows 4h58
